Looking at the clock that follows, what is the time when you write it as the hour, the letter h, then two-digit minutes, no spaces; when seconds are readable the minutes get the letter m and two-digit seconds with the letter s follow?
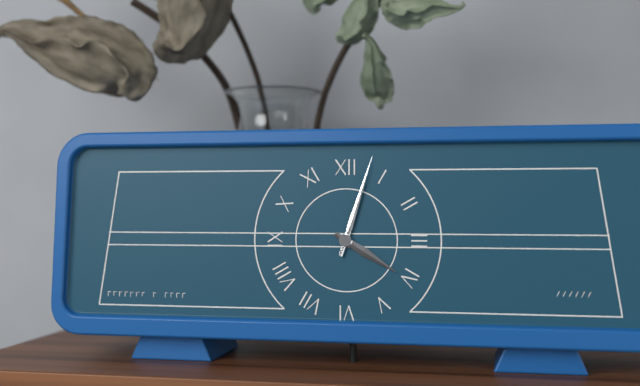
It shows 4h03
